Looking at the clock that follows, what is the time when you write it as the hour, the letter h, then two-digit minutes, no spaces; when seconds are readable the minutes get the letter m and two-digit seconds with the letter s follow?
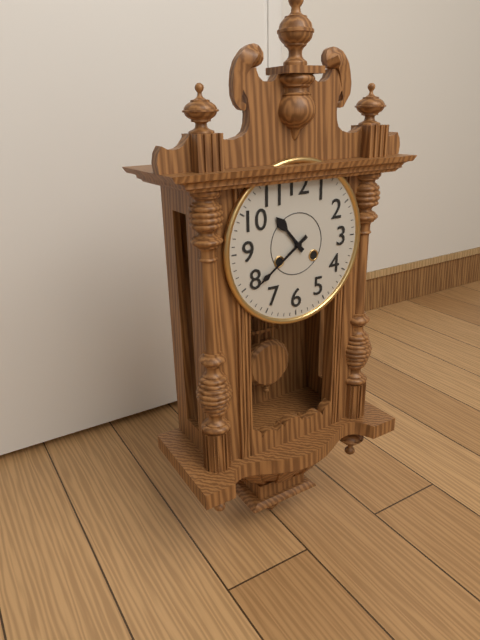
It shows 10h39
